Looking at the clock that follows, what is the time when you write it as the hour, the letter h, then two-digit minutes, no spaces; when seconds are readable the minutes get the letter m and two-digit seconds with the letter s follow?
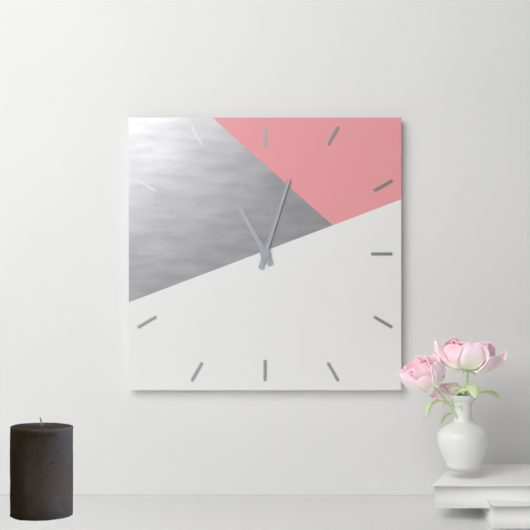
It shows 11h03
